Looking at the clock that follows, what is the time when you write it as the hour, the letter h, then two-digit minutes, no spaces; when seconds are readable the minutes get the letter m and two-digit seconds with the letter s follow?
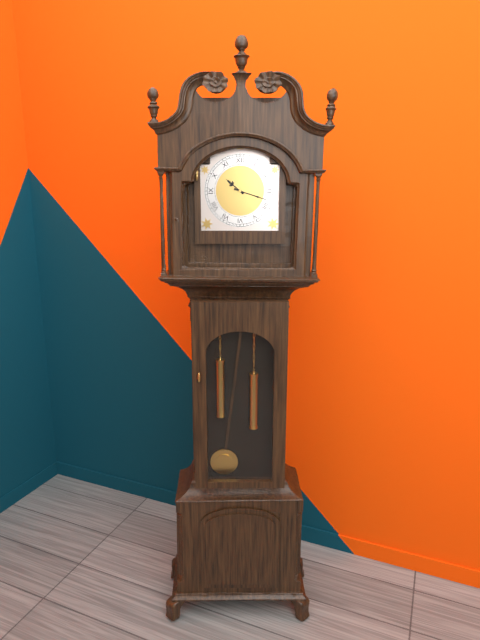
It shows 10h18
